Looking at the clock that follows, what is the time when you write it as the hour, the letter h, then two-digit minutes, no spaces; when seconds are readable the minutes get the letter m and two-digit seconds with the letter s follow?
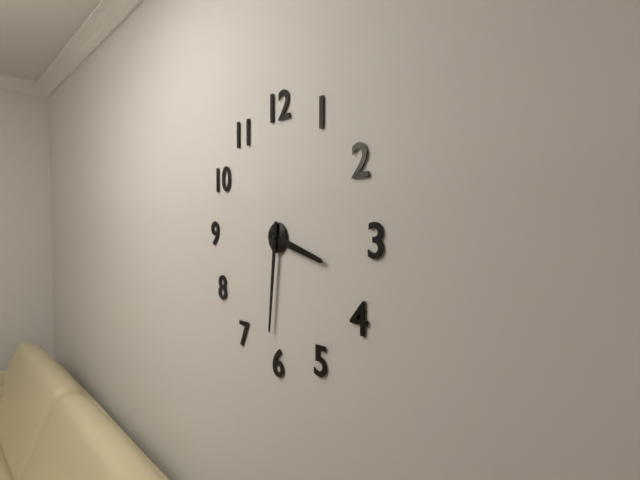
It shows 3h31
